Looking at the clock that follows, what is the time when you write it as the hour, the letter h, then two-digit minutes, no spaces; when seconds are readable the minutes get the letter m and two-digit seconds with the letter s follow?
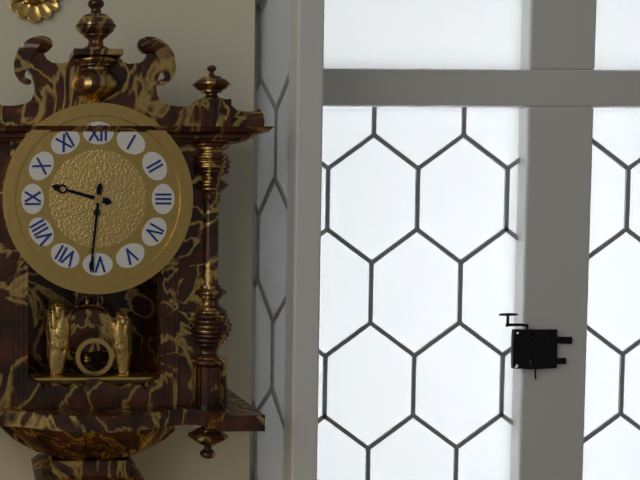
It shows 9h31
